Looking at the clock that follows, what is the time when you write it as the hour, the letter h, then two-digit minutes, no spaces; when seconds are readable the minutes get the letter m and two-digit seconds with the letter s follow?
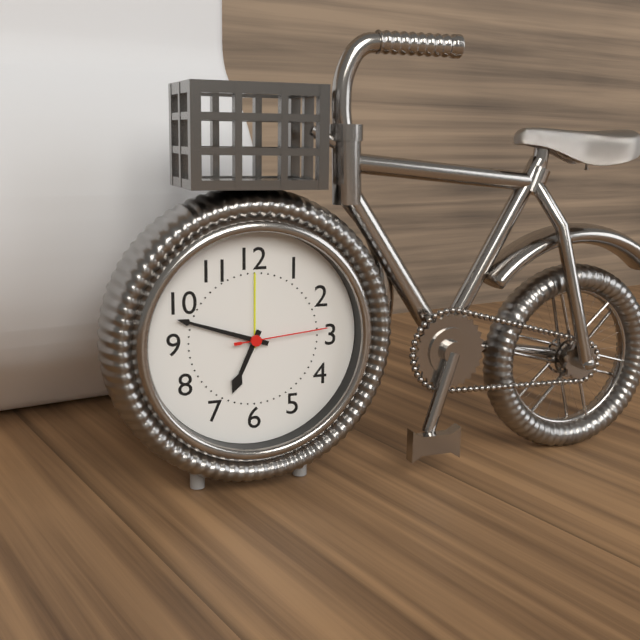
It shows 6h48m14s
